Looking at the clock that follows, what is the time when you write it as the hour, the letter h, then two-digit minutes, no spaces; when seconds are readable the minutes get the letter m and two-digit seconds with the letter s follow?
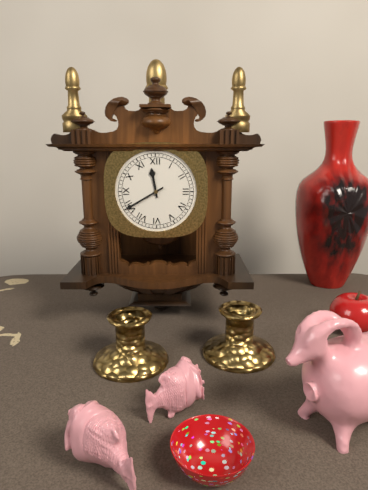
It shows 11h40
